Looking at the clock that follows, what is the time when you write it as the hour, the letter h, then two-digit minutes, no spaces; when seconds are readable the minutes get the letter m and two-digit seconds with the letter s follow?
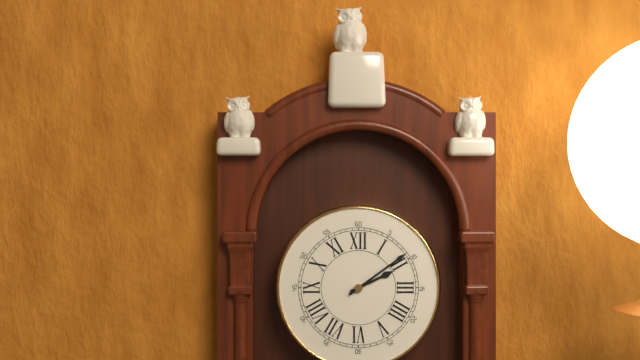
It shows 2h09
